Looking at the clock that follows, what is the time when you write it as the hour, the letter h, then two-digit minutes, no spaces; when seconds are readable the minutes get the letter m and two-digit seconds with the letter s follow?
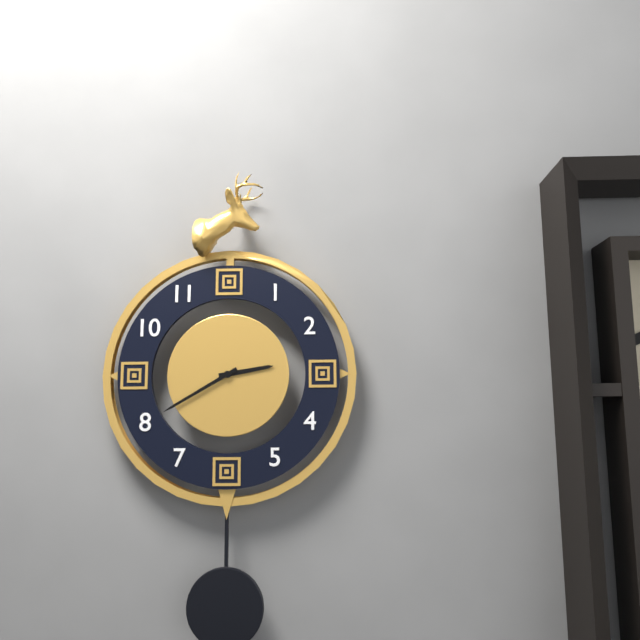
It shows 2h40
